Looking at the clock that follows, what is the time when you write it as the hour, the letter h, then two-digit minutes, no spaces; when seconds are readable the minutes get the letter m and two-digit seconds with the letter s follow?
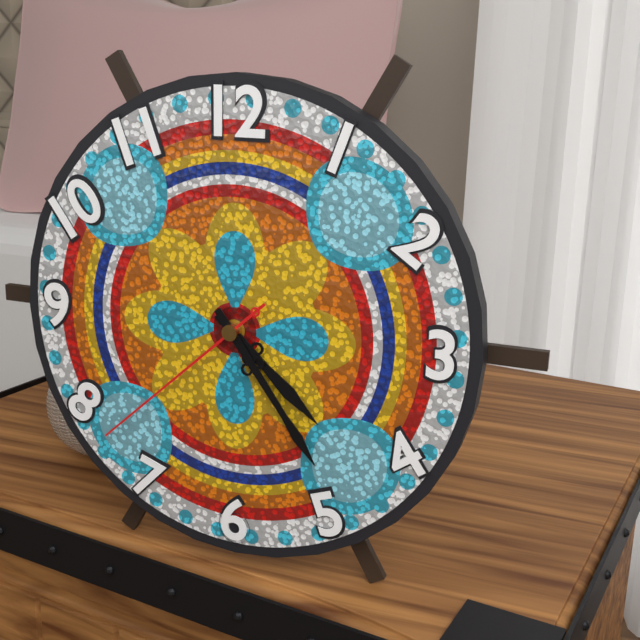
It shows 4h24m38s
